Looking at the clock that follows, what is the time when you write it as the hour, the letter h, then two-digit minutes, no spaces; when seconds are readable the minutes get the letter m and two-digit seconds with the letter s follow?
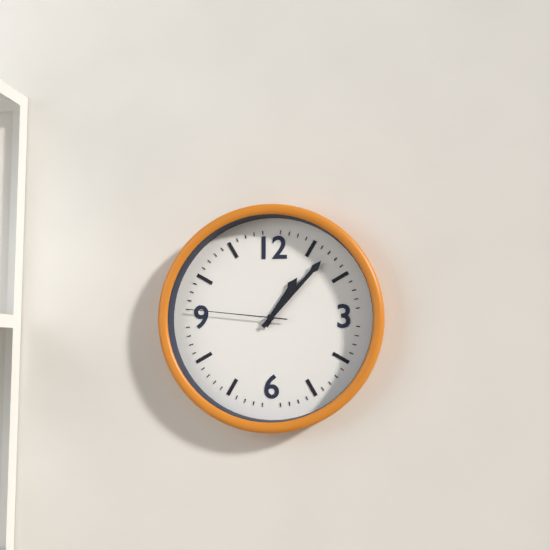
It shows 1h07m46s
